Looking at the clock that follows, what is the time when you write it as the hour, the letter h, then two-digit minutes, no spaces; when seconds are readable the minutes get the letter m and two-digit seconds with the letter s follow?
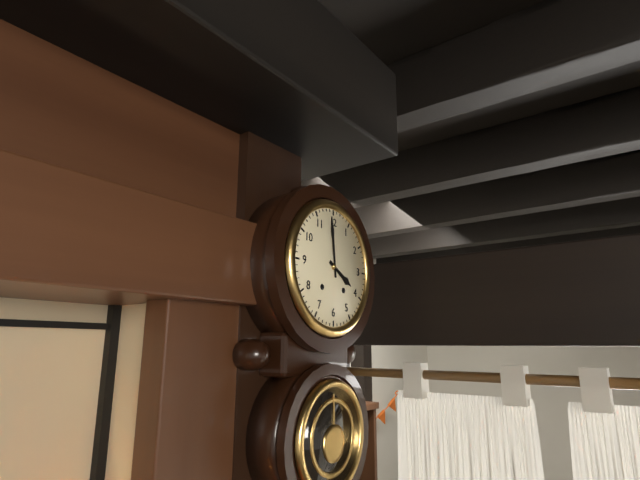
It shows 3h59
